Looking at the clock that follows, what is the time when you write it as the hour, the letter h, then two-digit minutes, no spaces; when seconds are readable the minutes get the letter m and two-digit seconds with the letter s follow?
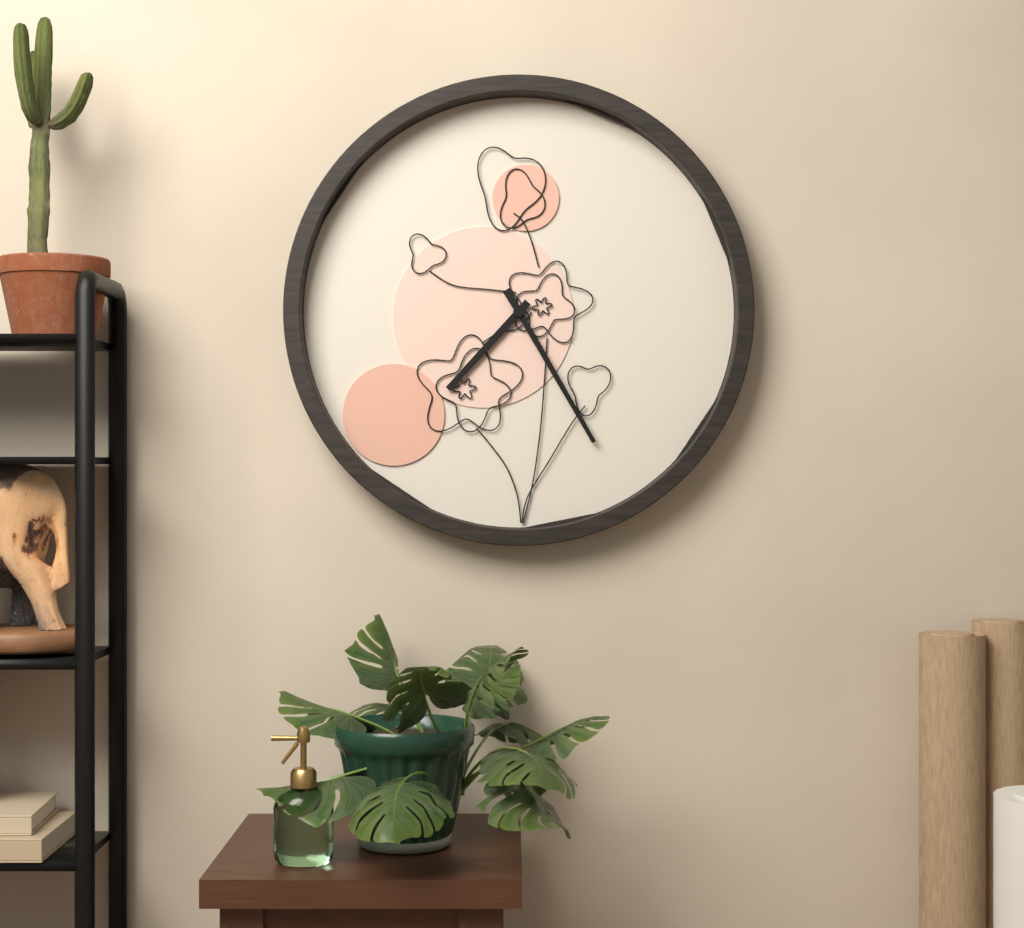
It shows 7h25
